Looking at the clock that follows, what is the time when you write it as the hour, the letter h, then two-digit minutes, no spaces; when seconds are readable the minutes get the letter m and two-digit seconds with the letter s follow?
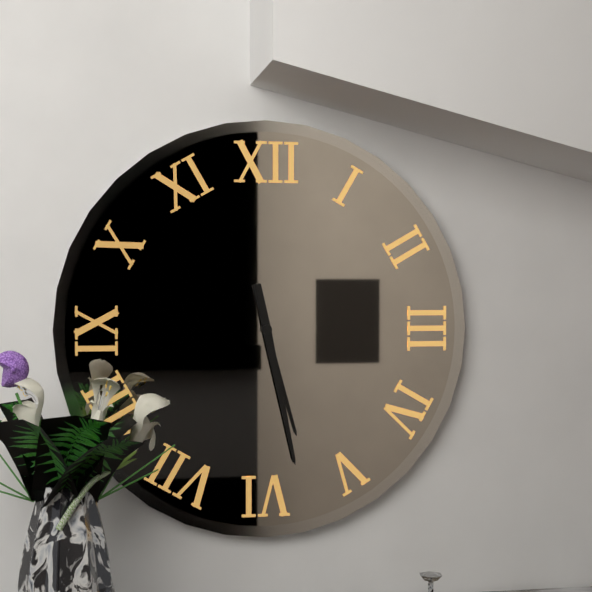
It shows 5h28
